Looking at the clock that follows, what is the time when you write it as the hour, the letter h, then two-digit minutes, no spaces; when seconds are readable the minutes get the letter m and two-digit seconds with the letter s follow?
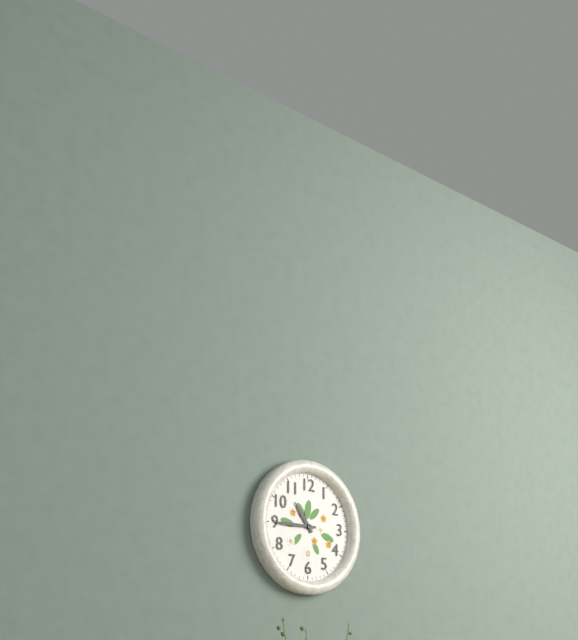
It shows 10h45
